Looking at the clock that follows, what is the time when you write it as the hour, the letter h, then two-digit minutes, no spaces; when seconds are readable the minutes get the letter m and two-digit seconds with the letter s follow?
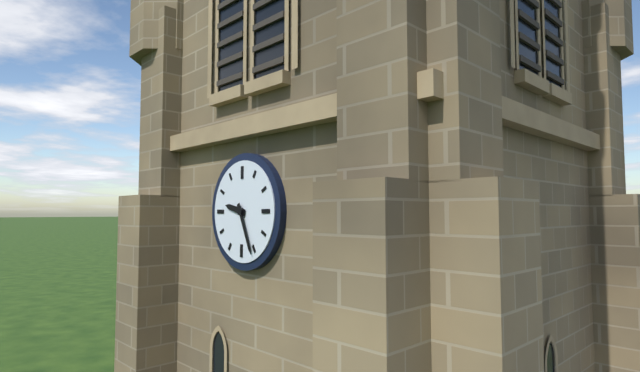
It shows 9h26
